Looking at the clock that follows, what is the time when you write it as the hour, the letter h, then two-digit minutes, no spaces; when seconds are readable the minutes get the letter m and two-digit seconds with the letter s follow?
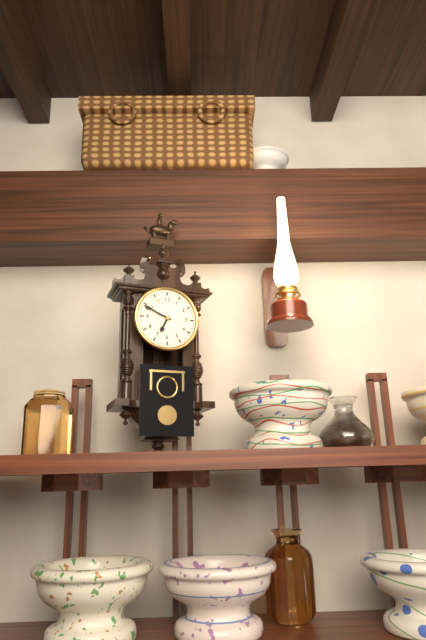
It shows 6h49
